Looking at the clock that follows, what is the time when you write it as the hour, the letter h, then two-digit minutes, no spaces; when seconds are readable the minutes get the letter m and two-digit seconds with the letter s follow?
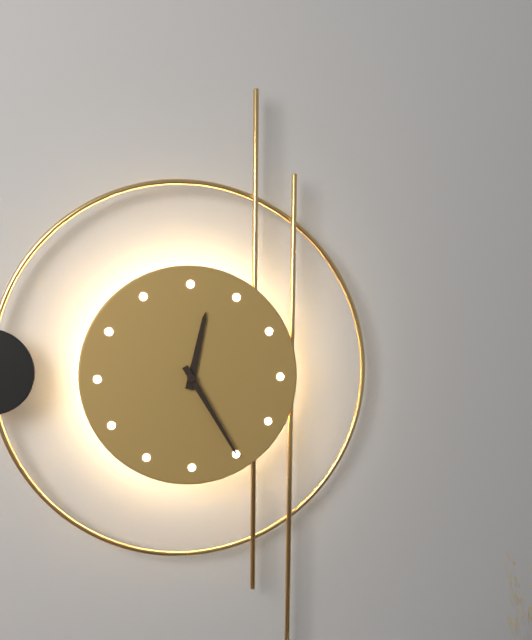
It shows 12h25
